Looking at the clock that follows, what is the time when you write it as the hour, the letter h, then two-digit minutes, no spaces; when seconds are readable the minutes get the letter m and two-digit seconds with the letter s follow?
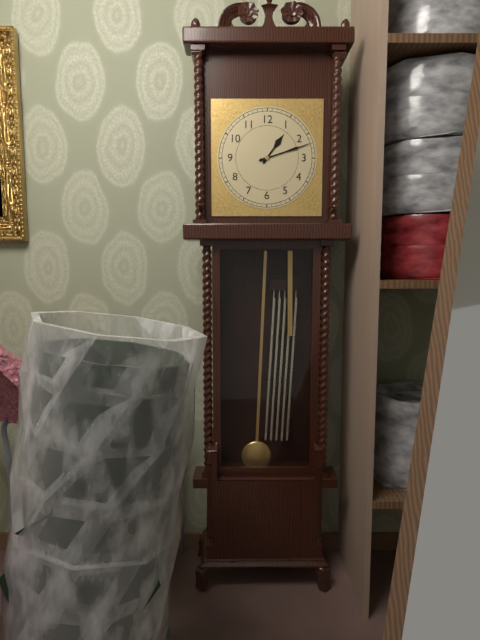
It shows 1h12
